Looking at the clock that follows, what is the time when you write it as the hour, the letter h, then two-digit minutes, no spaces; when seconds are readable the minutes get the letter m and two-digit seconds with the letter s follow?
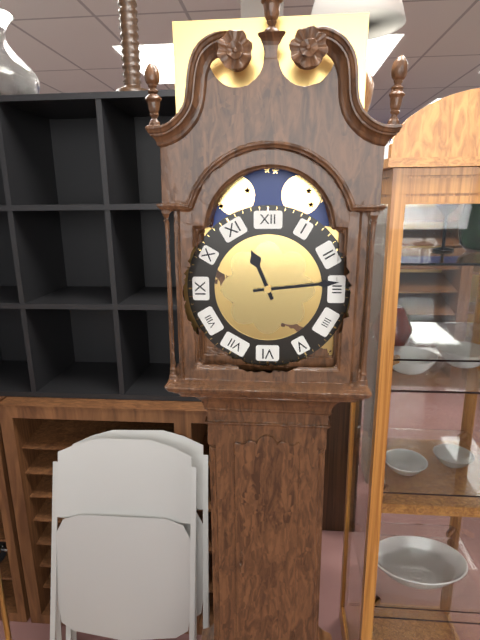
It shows 11h14
